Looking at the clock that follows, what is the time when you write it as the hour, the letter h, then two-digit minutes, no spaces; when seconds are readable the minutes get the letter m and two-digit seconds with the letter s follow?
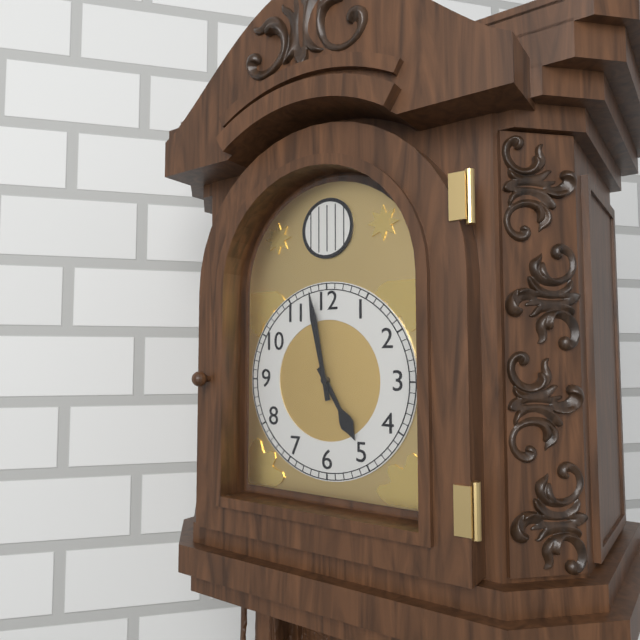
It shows 4h58
